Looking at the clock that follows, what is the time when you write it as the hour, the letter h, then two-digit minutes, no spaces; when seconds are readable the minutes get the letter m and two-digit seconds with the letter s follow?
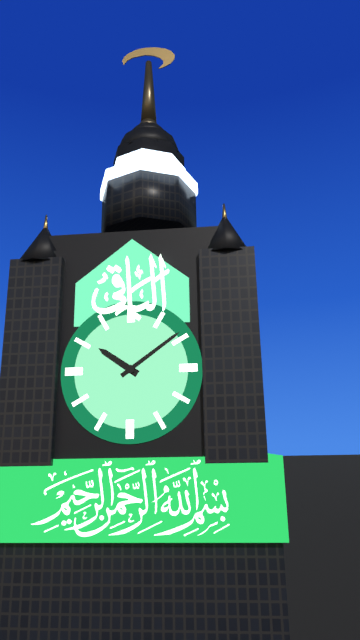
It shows 10h09
